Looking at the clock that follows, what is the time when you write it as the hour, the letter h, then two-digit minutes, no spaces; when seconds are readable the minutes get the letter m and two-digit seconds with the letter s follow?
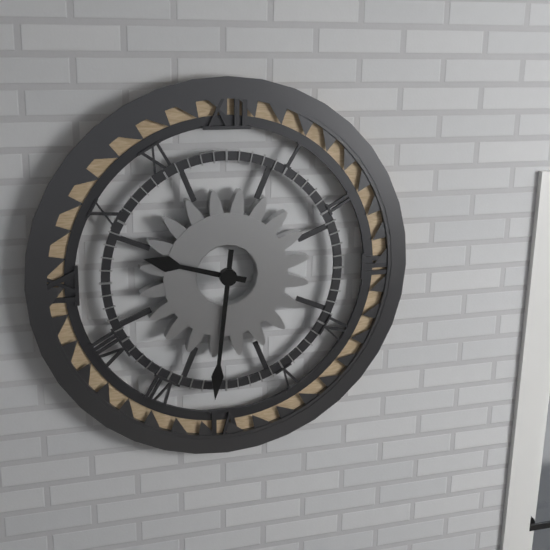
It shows 9h31
